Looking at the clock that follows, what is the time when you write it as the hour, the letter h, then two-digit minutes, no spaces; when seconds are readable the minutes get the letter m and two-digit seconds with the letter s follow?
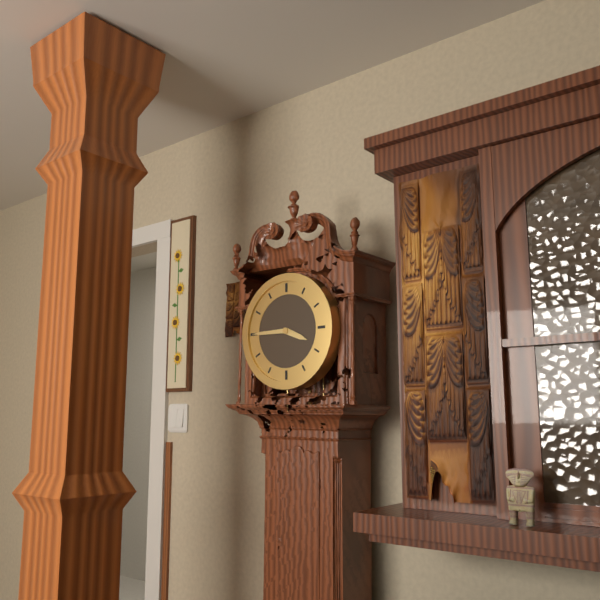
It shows 3h45
